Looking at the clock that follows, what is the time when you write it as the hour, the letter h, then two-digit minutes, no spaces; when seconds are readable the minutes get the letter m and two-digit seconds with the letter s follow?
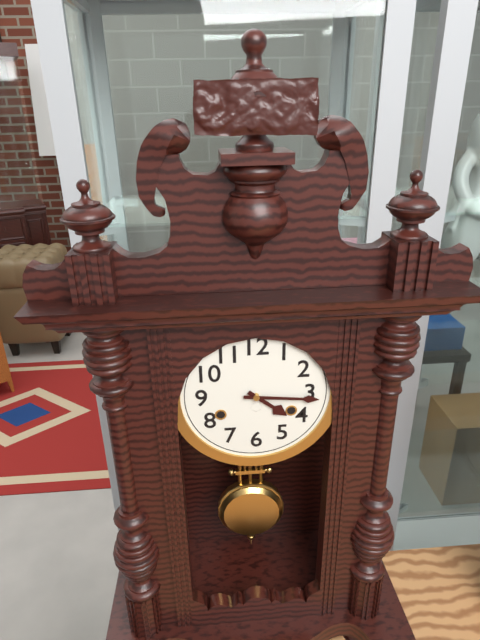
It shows 4h16
